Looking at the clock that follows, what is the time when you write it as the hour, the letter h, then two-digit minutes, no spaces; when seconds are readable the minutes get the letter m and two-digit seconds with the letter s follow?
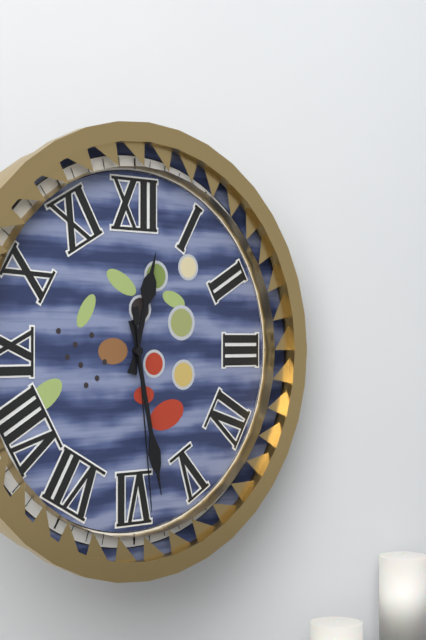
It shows 12h28m29s
